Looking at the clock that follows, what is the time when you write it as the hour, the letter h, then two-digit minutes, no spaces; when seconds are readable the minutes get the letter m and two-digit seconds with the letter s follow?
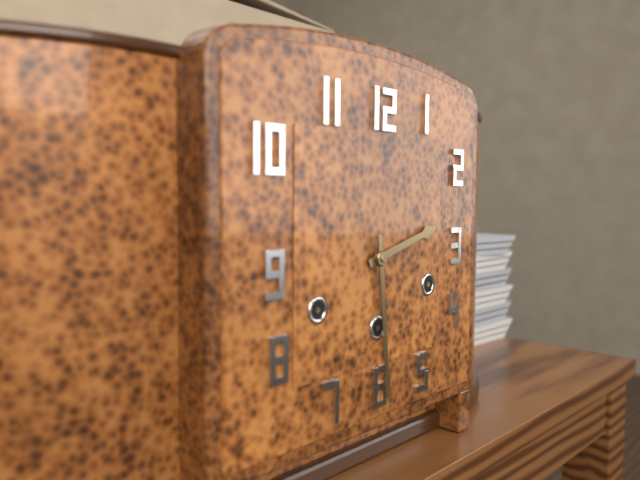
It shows 2h29
